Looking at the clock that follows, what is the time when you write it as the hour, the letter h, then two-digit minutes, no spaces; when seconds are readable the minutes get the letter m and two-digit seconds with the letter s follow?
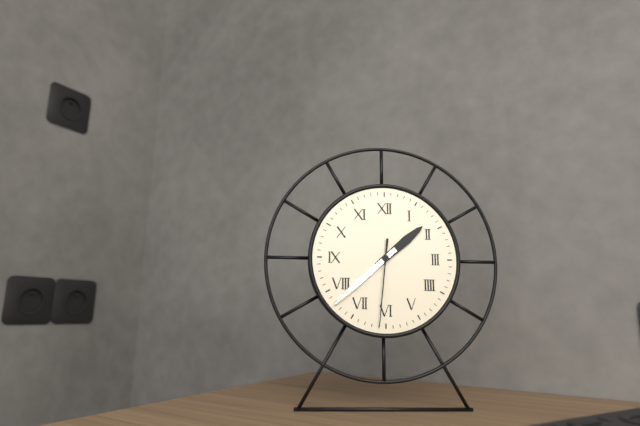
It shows 1h38m31s
